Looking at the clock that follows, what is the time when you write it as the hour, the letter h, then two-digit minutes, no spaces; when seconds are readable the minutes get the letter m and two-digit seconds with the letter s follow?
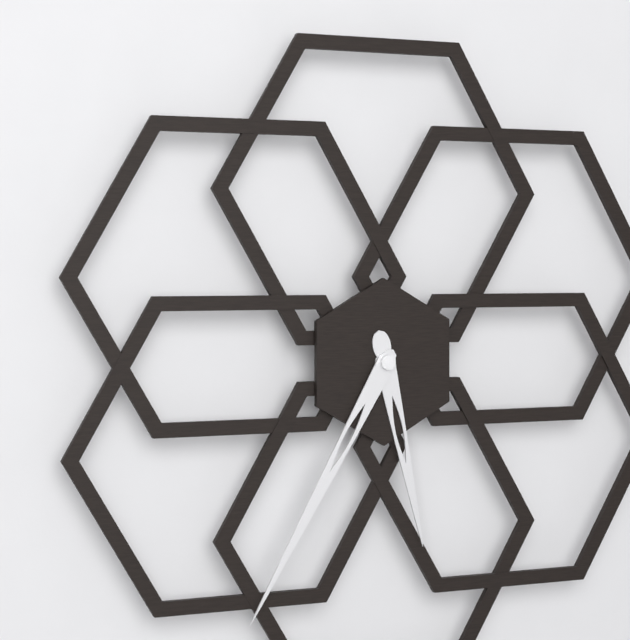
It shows 5h35
